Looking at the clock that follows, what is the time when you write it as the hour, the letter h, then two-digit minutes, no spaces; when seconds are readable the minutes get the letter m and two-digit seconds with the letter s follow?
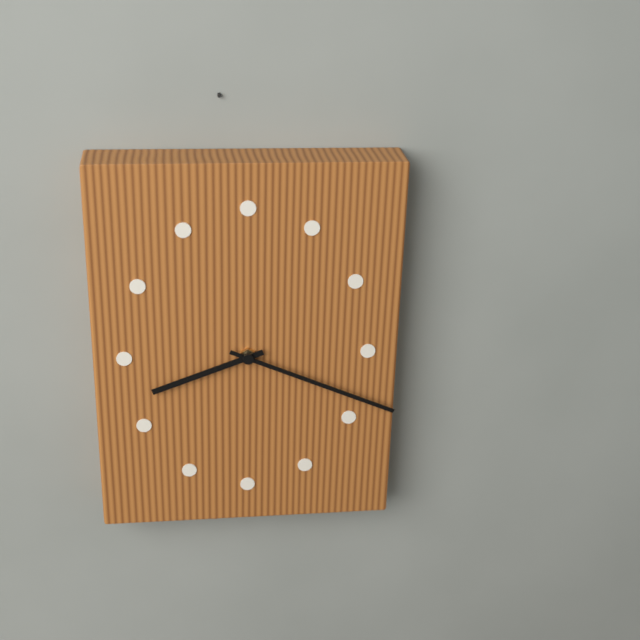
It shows 8h19
